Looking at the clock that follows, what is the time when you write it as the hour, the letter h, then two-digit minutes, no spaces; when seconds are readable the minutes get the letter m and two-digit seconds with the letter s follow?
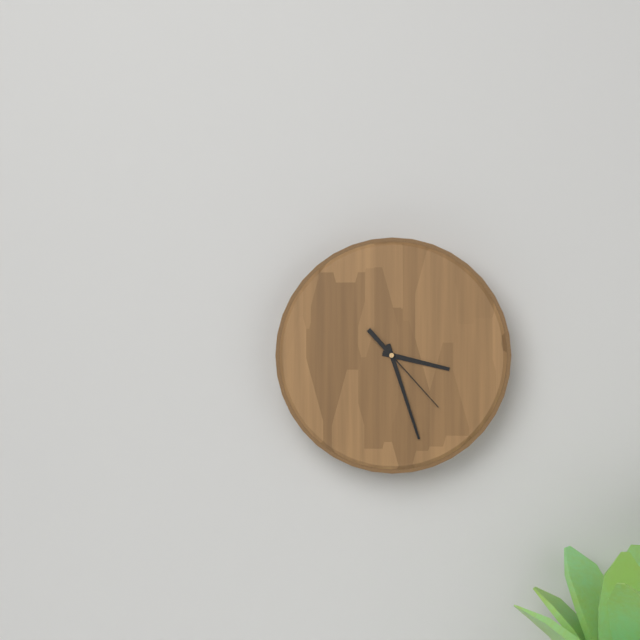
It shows 3h27m23s
